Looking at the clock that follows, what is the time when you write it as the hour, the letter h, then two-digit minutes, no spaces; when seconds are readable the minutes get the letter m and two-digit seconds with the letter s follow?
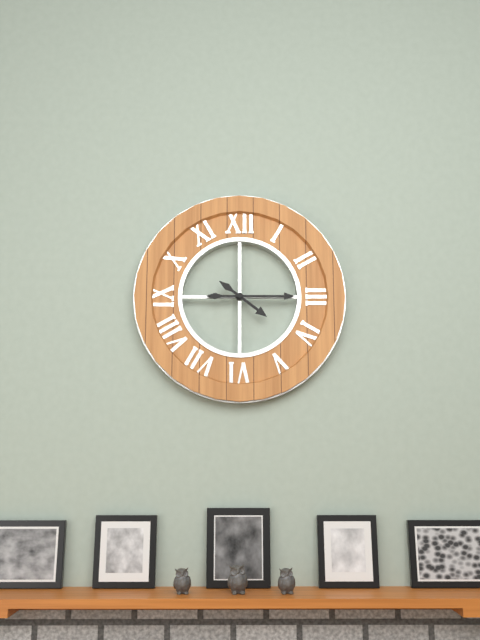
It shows 4h15
